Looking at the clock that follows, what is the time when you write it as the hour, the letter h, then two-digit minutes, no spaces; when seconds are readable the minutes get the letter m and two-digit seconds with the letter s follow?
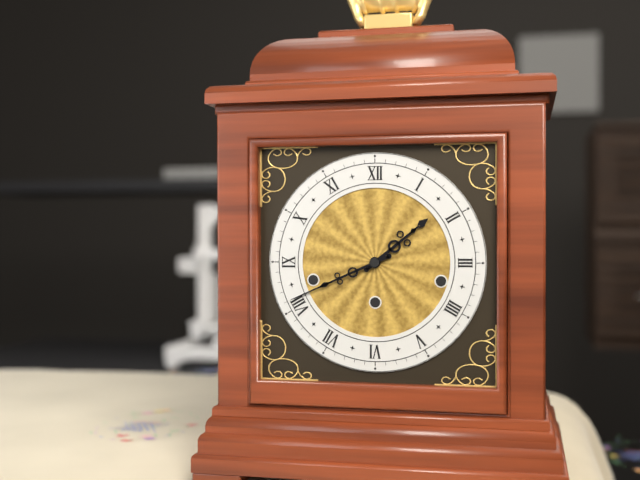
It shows 1h41
